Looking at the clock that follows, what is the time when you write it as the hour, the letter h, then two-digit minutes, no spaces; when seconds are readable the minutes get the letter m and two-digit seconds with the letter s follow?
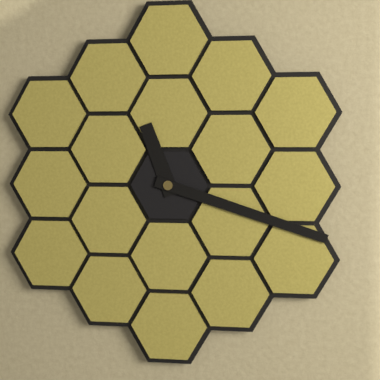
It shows 11h18
